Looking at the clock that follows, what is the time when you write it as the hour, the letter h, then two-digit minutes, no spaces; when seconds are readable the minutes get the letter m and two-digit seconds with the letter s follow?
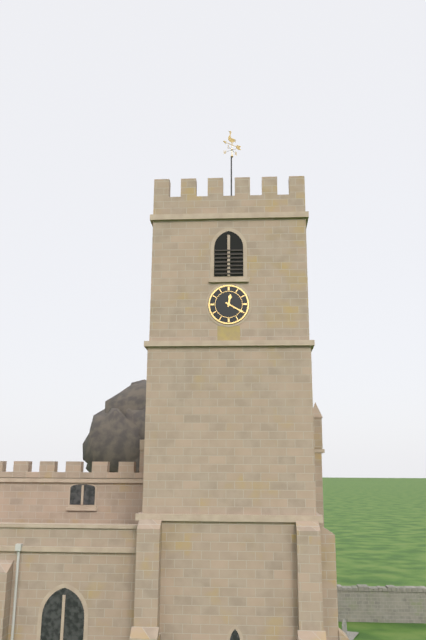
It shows 12h20
